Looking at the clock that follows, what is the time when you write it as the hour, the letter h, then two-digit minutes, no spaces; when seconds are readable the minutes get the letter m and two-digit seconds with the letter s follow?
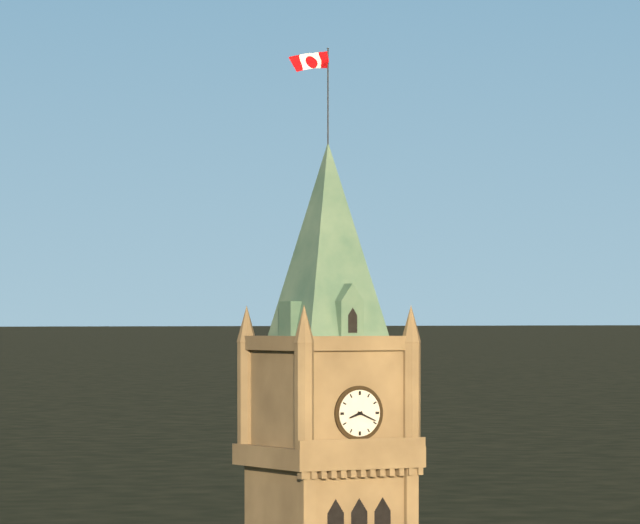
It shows 8h19
